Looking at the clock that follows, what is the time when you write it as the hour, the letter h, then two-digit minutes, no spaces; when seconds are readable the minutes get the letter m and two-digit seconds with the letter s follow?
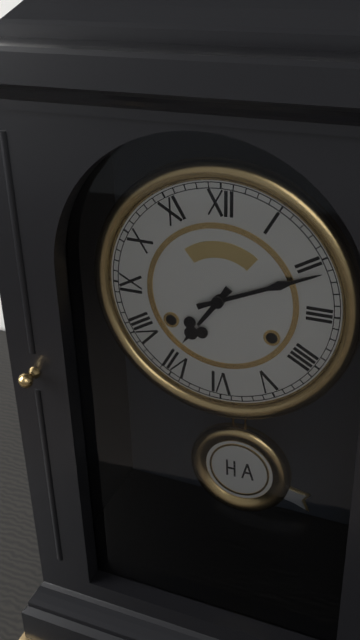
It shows 7h11
